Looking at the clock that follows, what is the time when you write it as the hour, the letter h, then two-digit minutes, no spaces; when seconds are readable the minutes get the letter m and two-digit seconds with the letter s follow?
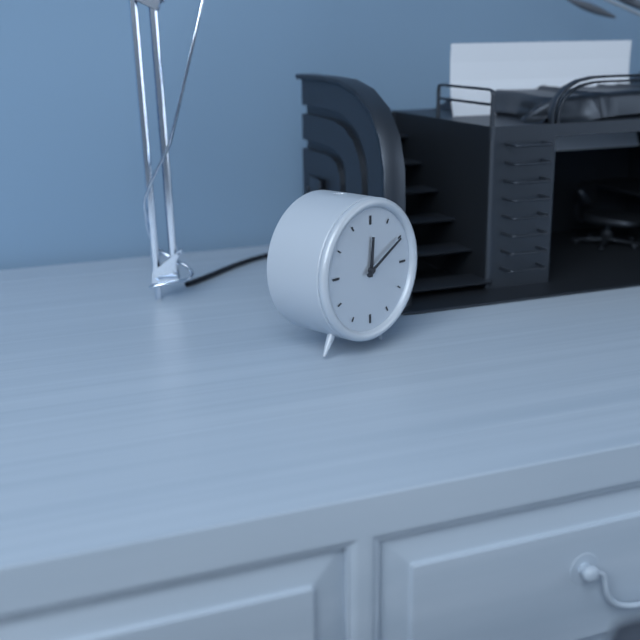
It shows 12h10
